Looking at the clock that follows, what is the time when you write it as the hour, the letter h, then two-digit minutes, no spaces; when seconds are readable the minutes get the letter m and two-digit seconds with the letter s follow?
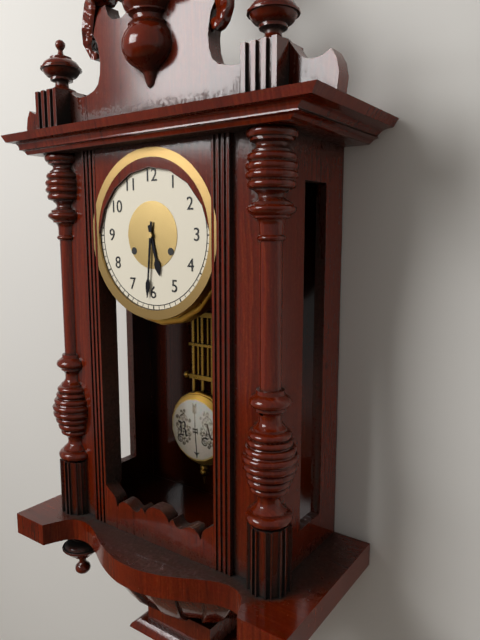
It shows 5h31
